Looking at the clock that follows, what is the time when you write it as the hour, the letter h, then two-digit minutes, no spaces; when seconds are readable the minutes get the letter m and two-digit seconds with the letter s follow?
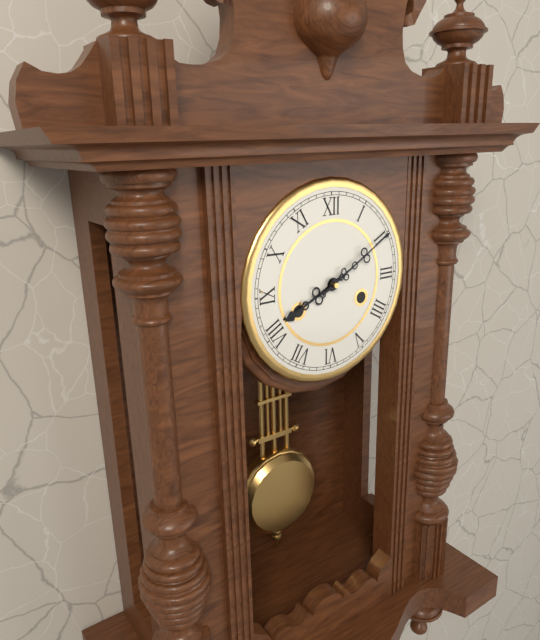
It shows 8h10
